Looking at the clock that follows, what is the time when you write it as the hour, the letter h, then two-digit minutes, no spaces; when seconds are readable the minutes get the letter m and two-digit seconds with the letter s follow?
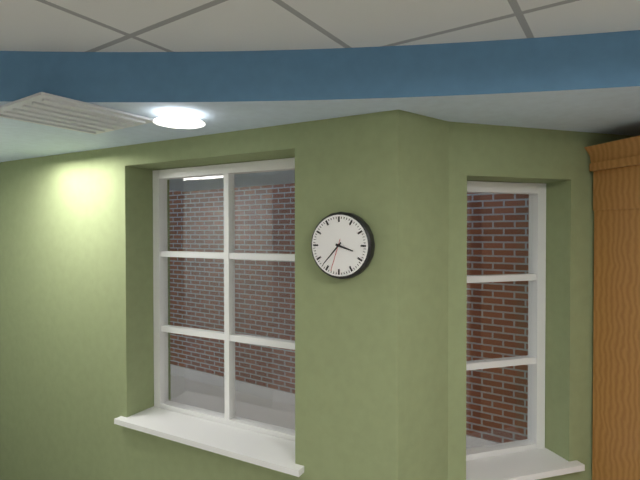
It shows 3h37
